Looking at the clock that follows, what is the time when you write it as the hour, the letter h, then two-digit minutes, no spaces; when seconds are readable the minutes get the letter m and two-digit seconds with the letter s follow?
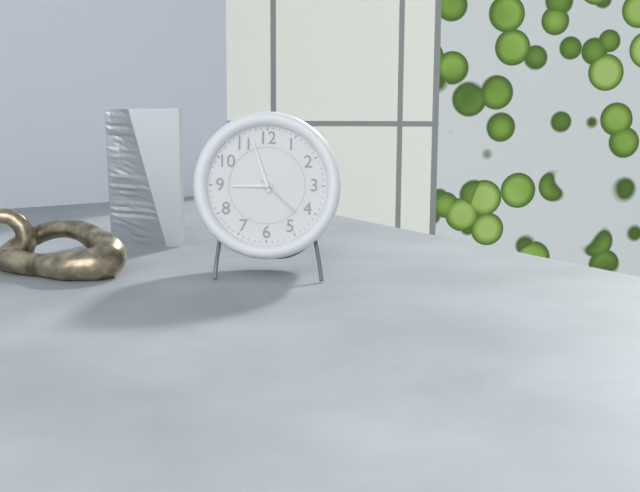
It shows 8h57m22s
